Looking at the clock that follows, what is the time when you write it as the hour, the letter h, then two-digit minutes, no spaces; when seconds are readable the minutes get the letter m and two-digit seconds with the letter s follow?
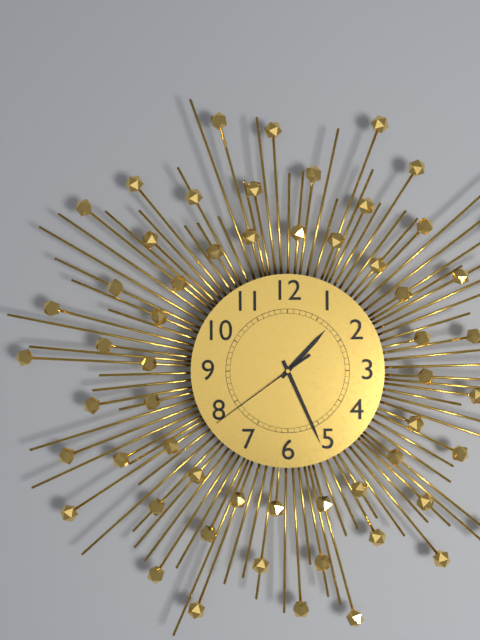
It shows 1h26m39s
